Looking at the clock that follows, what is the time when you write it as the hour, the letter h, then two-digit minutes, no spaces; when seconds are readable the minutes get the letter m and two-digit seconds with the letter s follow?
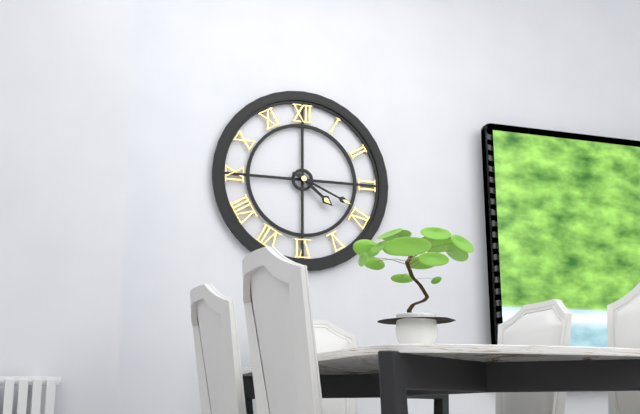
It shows 4h19
